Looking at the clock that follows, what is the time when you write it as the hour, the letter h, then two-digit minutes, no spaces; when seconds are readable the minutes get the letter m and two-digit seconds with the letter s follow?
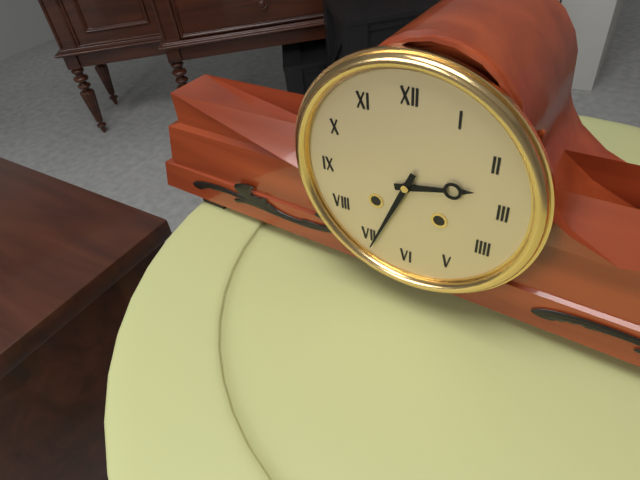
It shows 2h34
